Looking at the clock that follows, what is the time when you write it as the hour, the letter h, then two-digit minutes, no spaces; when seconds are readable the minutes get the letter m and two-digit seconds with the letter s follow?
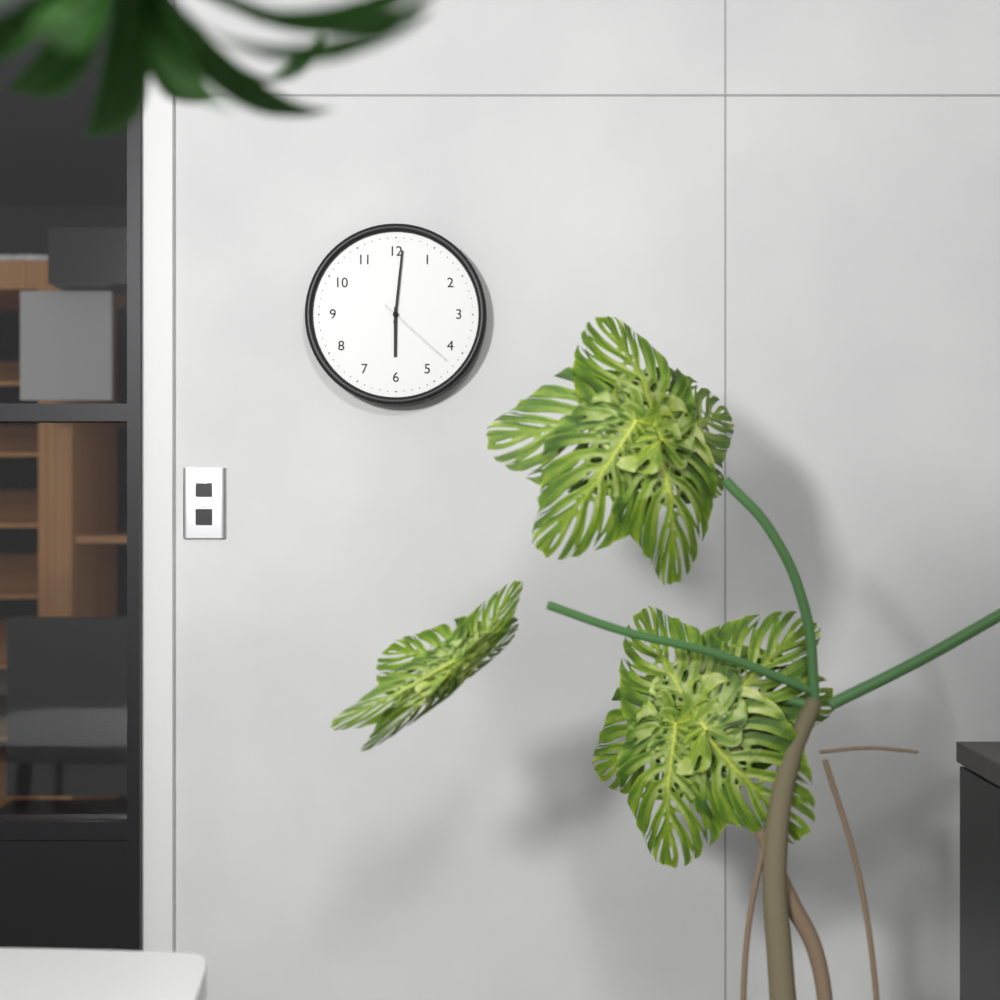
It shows 6h01m22s
